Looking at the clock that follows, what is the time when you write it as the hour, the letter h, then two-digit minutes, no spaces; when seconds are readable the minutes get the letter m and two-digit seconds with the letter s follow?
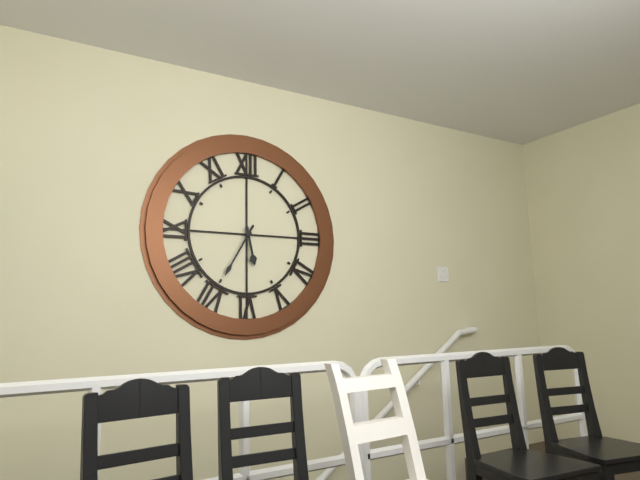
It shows 5h35
